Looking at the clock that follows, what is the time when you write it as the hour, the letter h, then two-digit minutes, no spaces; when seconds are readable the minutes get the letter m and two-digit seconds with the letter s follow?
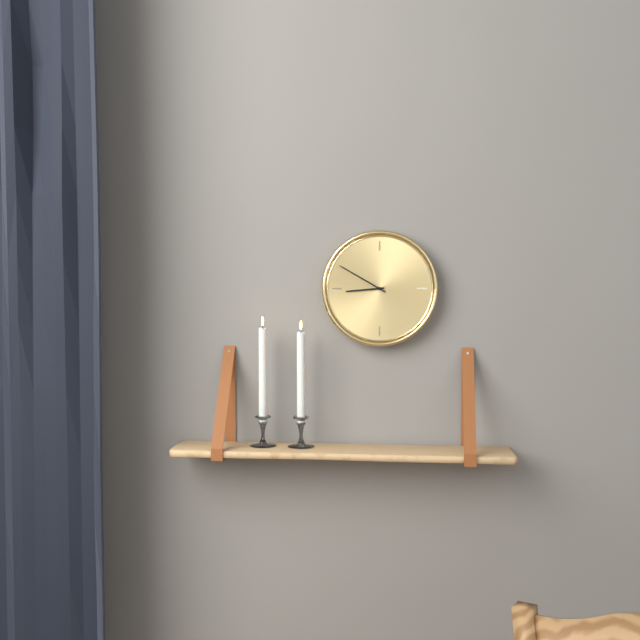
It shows 8h50
